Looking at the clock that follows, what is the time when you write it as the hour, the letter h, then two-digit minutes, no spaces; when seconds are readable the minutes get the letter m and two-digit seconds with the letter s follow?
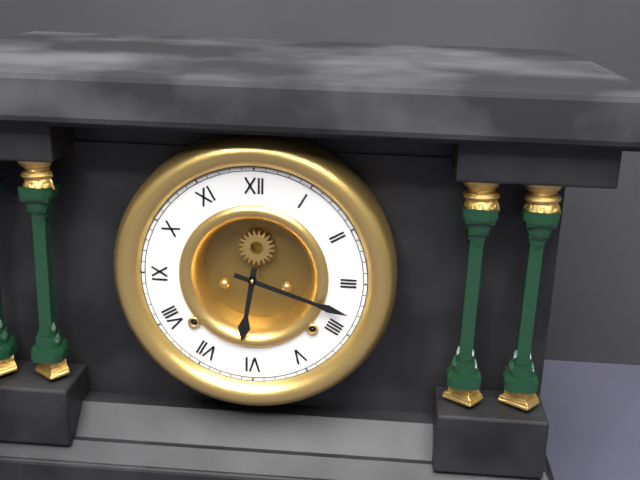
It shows 6h18
